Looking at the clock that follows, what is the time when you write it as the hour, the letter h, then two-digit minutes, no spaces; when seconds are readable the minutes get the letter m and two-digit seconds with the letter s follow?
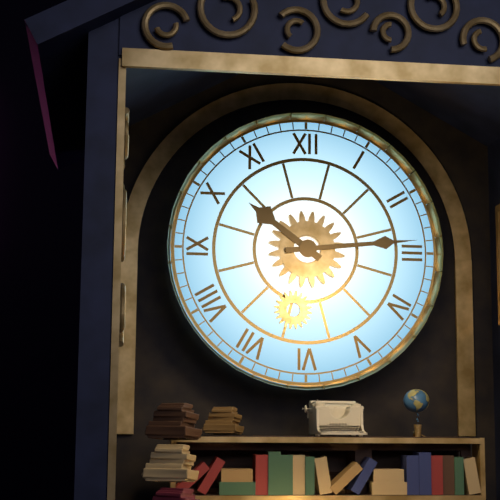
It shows 10h14
